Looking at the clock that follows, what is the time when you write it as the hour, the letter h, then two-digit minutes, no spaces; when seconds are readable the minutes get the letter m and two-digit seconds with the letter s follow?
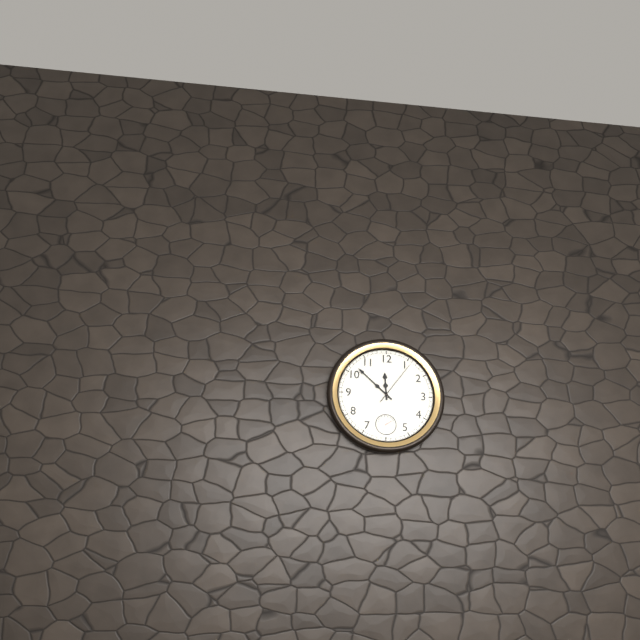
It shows 11h52
